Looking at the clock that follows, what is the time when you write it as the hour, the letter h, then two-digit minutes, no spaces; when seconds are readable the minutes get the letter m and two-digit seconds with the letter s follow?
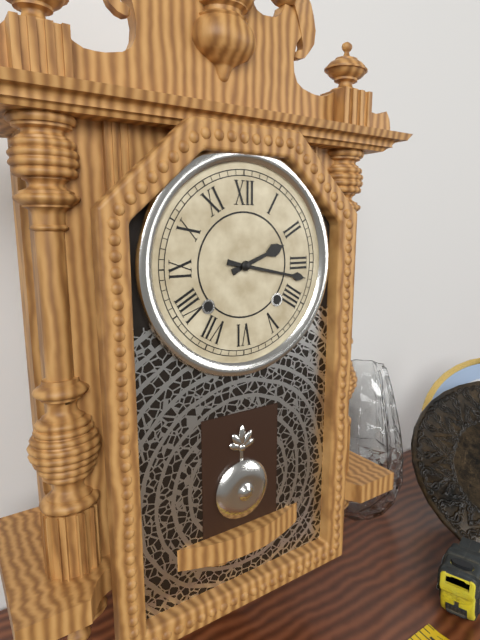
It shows 2h17
